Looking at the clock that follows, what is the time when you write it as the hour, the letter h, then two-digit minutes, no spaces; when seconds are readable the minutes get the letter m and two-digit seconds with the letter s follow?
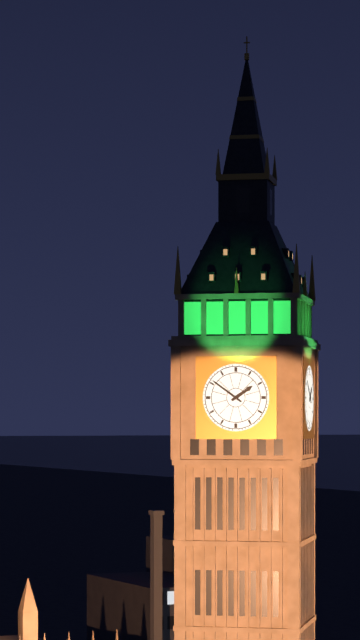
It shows 1h51
